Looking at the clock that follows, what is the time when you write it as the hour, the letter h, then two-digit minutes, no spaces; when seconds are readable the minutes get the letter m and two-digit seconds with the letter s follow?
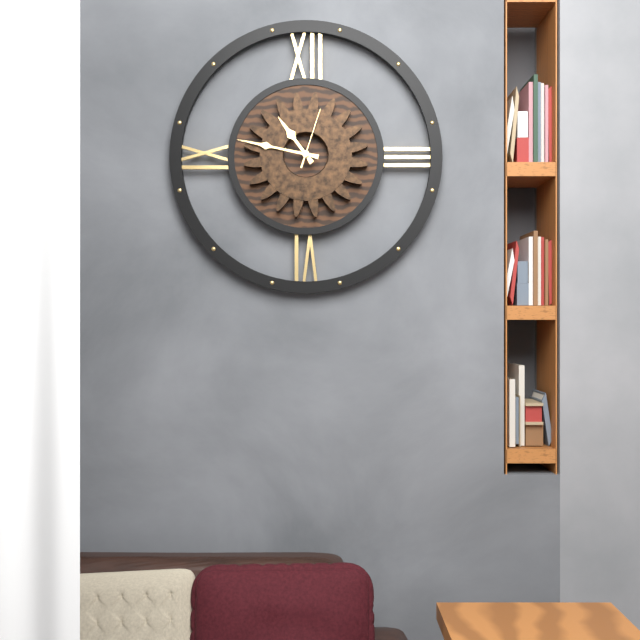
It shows 10h47m03s
